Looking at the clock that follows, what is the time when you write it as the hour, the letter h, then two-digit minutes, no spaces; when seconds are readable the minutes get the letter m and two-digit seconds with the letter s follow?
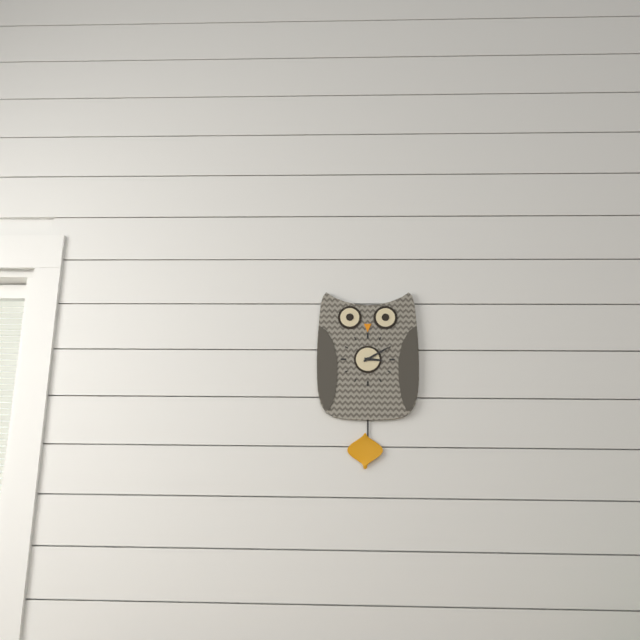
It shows 3h10
